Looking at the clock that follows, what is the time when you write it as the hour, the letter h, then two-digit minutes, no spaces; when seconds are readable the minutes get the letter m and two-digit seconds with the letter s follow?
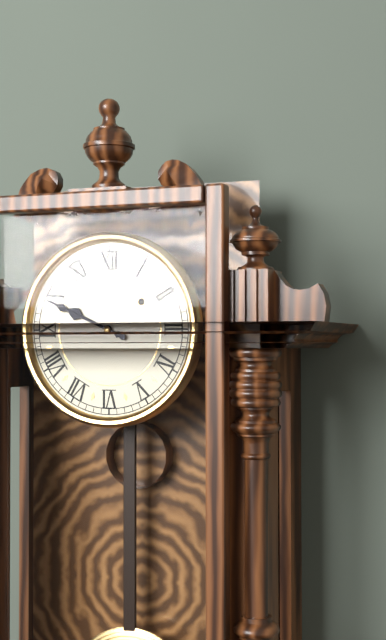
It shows 9h49
